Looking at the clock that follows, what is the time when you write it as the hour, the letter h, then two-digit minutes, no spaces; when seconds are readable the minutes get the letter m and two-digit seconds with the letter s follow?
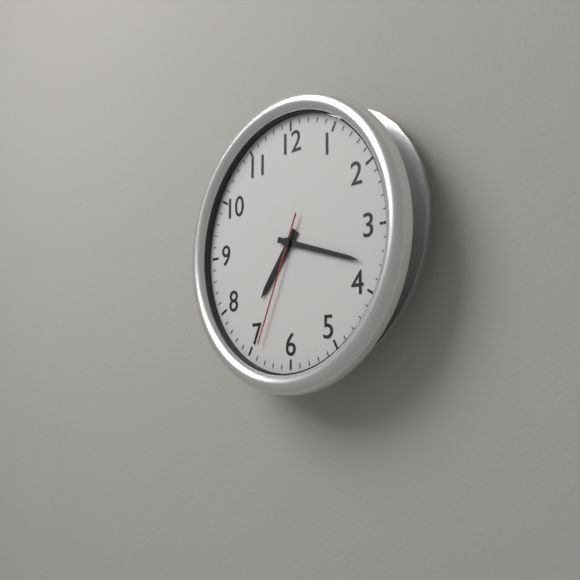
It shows 7h18m34s
